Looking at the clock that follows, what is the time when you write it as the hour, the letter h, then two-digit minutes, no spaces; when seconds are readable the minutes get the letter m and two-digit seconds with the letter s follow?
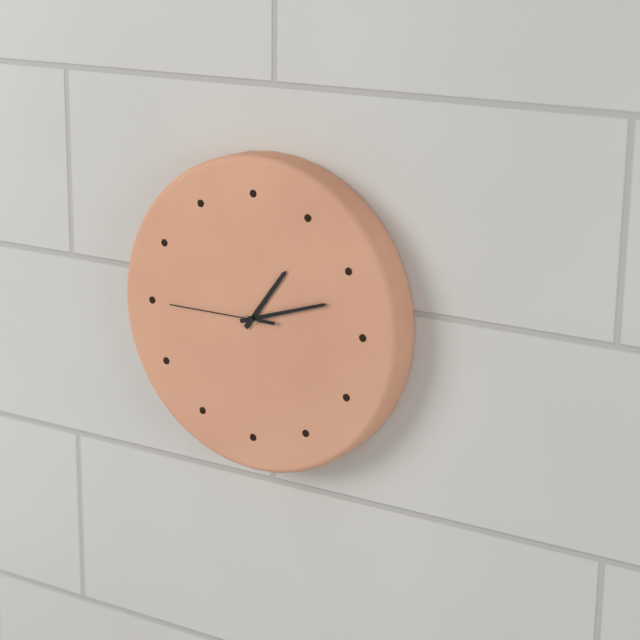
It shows 1h12m45s
